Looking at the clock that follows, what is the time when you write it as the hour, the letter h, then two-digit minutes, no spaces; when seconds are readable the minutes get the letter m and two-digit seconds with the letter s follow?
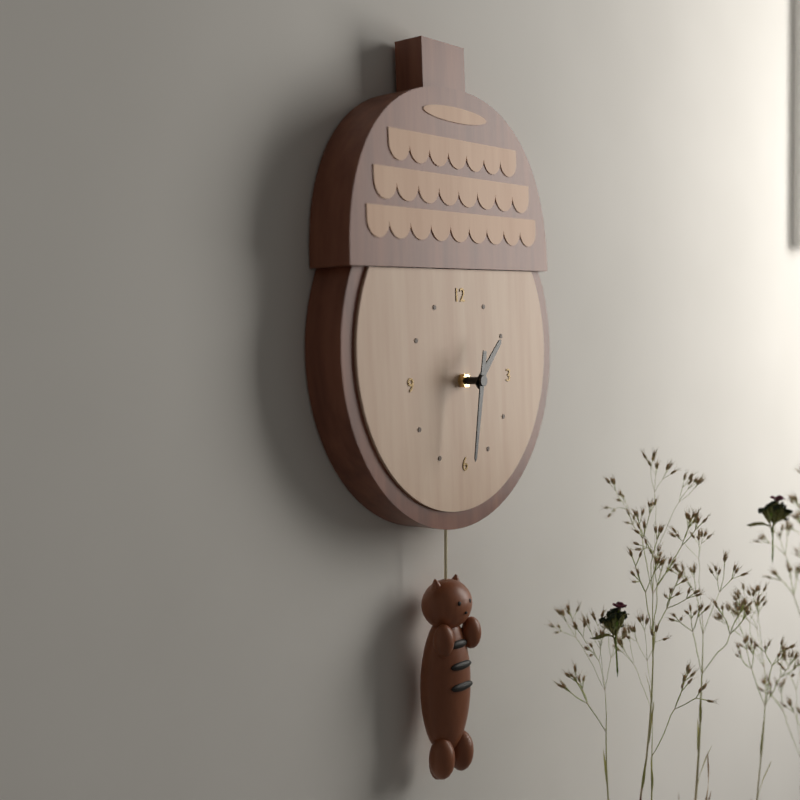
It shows 1h32
